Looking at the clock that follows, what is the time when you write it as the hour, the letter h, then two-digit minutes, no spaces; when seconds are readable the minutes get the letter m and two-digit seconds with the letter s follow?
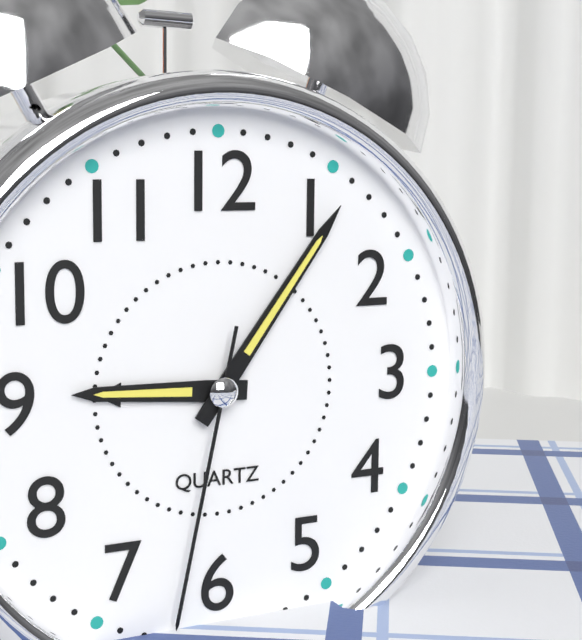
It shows 9h06m32s
